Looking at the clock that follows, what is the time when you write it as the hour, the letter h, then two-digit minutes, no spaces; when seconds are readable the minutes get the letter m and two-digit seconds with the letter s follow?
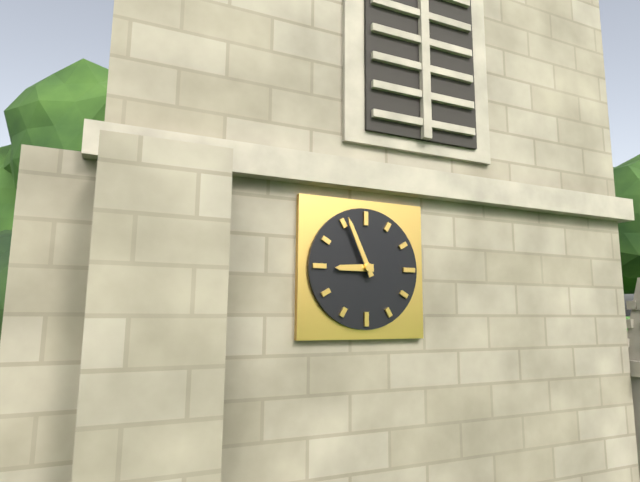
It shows 8h56
